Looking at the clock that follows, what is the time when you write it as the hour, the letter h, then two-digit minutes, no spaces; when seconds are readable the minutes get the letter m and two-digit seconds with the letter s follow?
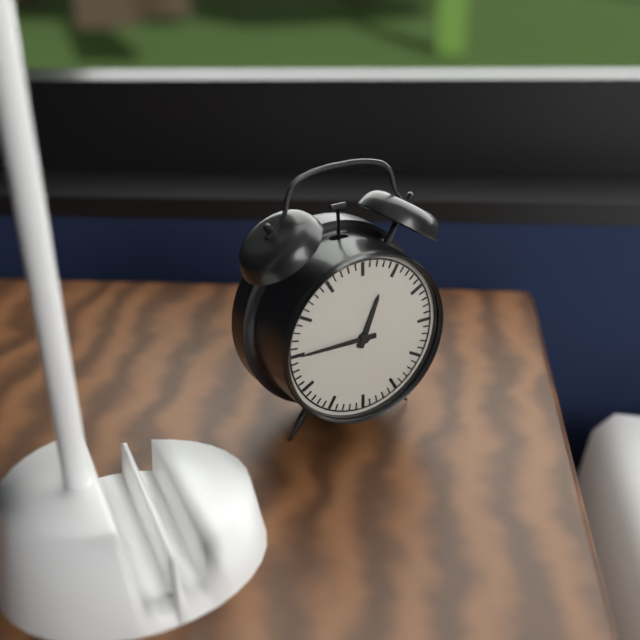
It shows 12h45
